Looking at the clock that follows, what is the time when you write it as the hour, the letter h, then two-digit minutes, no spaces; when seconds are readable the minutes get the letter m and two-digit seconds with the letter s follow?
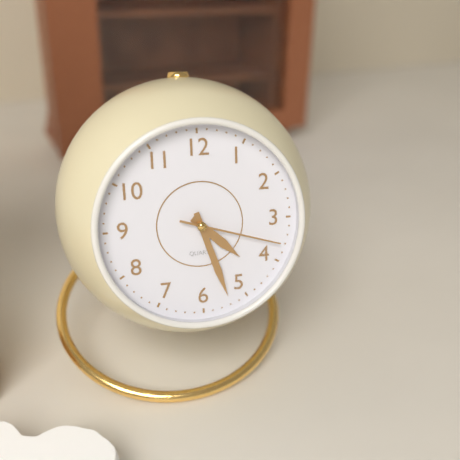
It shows 4h27m18s
